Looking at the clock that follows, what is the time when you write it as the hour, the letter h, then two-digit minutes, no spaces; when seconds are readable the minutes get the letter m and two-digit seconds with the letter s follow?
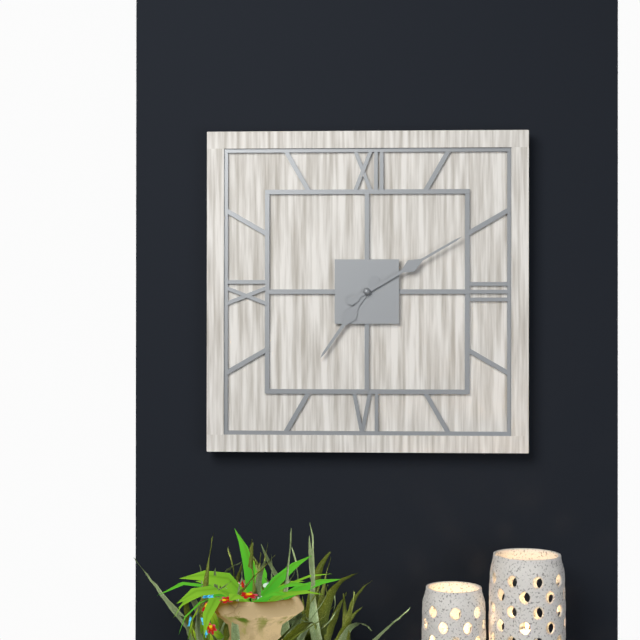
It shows 7h10
